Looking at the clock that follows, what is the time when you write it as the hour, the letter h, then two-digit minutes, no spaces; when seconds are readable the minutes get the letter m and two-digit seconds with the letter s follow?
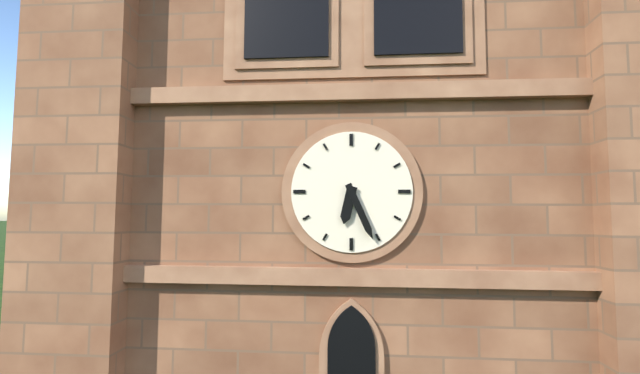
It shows 6h26
